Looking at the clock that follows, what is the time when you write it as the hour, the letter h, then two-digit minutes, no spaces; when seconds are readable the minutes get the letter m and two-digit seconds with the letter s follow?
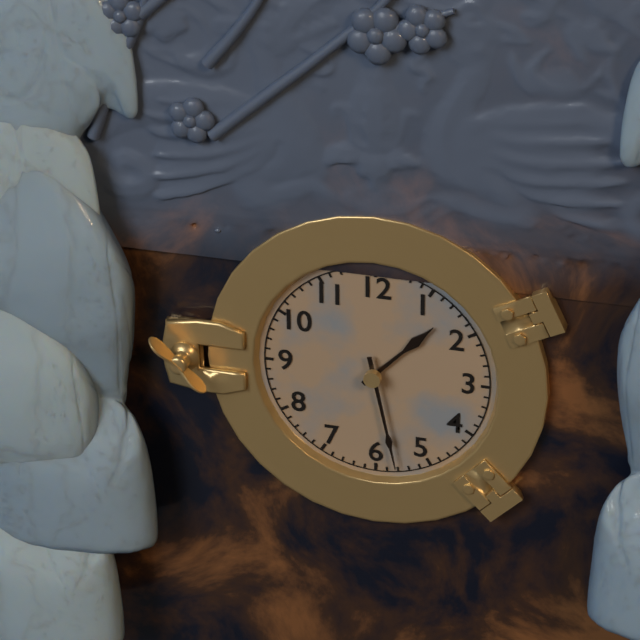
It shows 1h28
